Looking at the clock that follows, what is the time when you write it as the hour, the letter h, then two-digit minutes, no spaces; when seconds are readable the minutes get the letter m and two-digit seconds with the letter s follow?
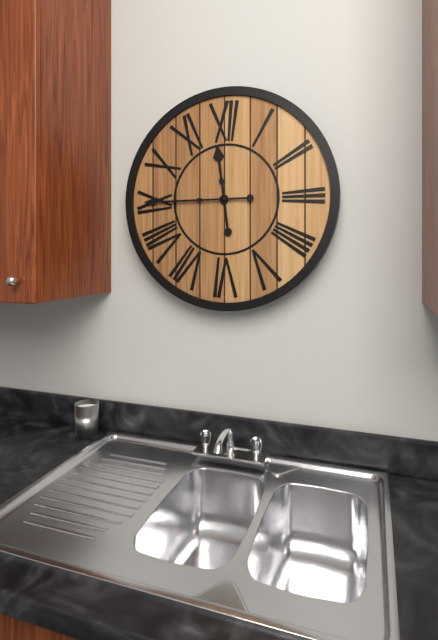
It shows 11h45
